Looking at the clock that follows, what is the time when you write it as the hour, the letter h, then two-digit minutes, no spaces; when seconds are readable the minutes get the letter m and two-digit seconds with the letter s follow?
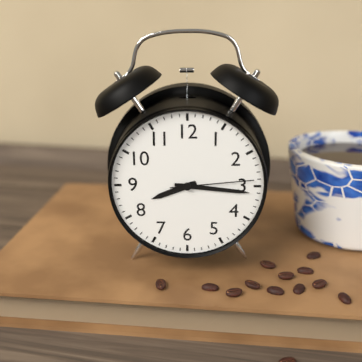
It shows 8h16m14s
